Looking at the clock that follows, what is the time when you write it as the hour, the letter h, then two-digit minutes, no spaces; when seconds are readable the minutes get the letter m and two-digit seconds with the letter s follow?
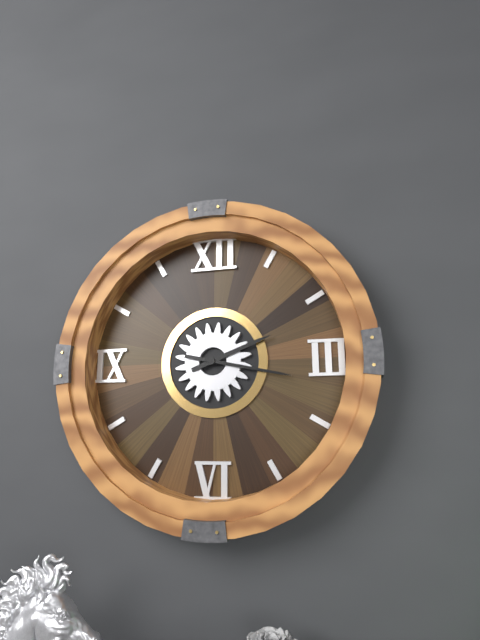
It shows 2h17
